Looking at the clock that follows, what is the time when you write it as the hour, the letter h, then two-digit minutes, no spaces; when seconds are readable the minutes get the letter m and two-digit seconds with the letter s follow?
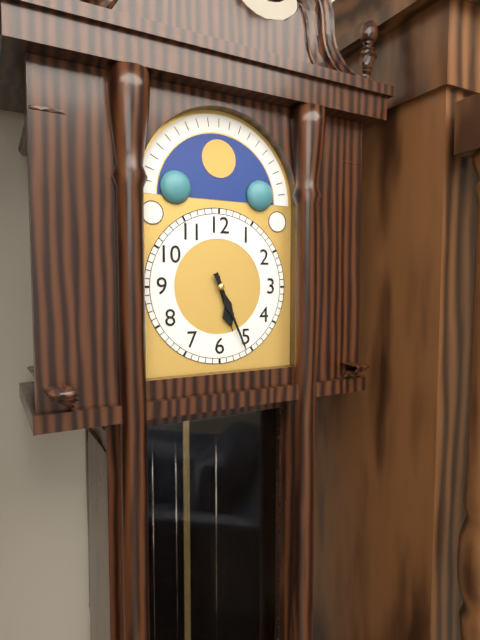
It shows 5h26
